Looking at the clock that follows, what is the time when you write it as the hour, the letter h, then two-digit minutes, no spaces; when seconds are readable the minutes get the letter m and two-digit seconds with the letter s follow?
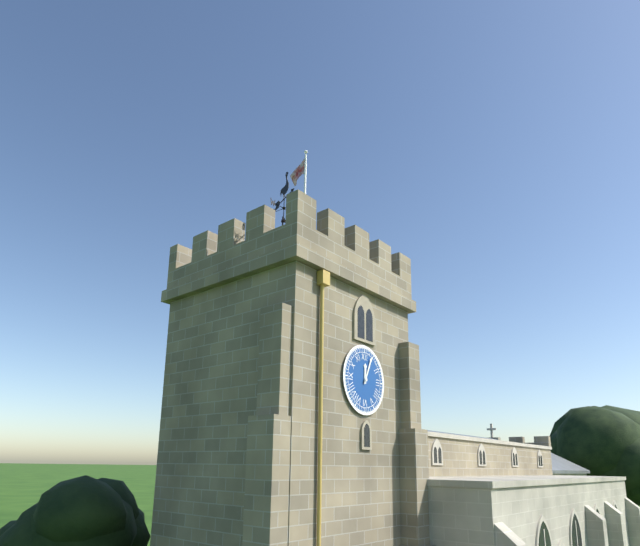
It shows 12h04
